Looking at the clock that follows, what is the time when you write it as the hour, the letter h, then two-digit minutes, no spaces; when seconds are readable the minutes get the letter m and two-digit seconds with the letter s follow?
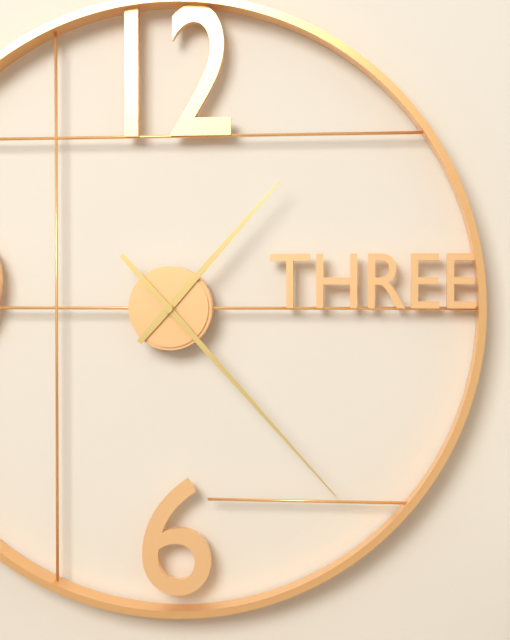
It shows 1h23
